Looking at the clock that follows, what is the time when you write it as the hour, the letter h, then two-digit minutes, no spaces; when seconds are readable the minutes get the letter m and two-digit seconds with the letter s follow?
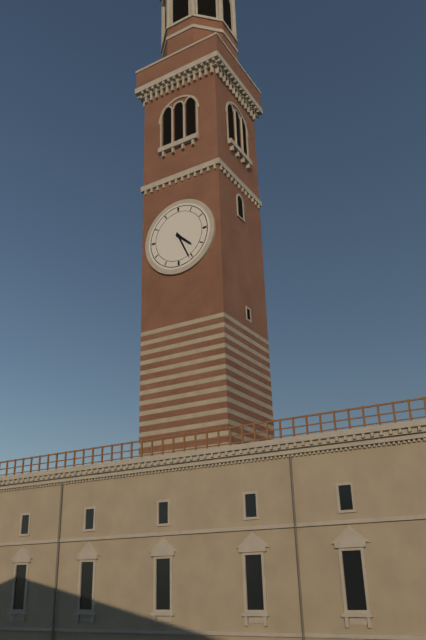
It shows 4h26
